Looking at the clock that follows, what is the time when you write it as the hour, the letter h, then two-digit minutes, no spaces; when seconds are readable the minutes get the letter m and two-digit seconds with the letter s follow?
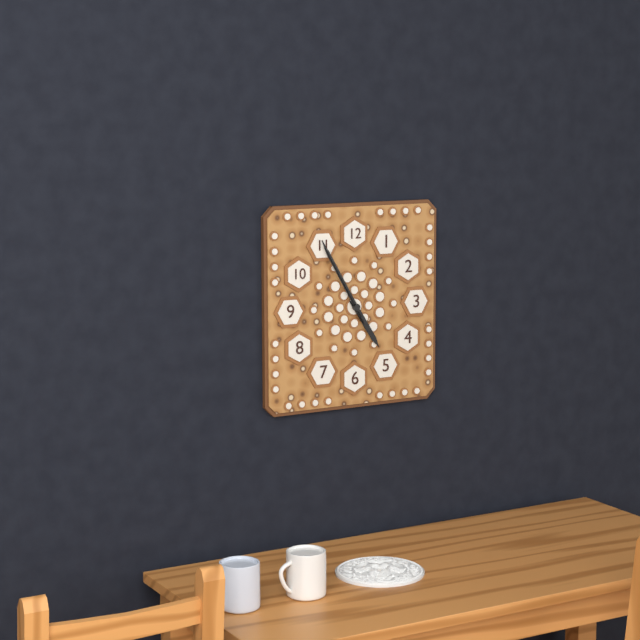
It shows 4h55m55s
